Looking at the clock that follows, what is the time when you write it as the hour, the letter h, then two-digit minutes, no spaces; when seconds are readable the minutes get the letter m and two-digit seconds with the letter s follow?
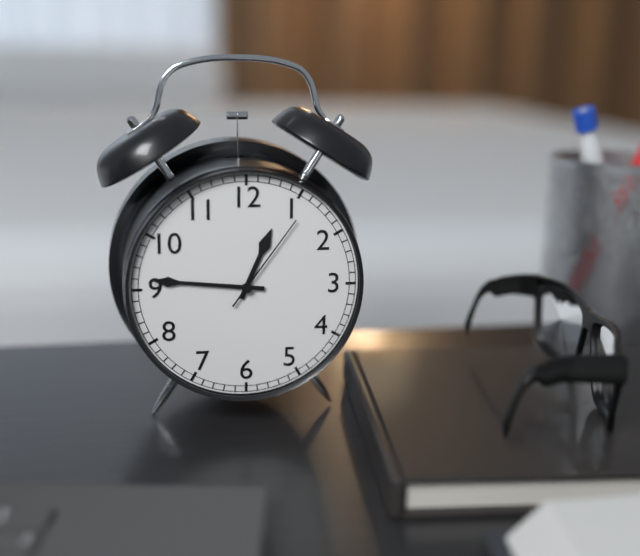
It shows 12h46m06s
